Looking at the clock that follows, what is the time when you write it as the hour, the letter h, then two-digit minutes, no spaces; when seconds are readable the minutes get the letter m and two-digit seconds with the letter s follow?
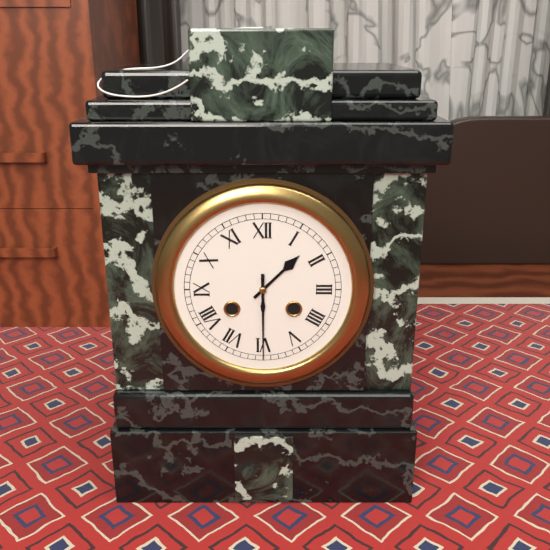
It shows 1h30
